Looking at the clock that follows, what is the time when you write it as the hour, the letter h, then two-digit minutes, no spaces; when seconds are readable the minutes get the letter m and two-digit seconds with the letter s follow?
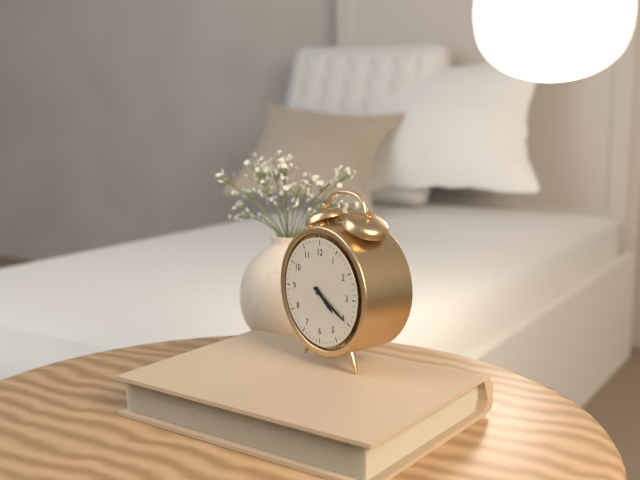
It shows 4h20
